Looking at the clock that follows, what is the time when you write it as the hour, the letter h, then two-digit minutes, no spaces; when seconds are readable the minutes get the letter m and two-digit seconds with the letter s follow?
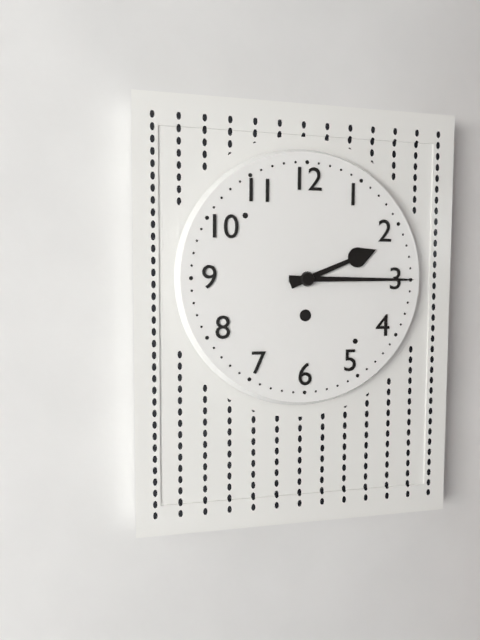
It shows 2h15
